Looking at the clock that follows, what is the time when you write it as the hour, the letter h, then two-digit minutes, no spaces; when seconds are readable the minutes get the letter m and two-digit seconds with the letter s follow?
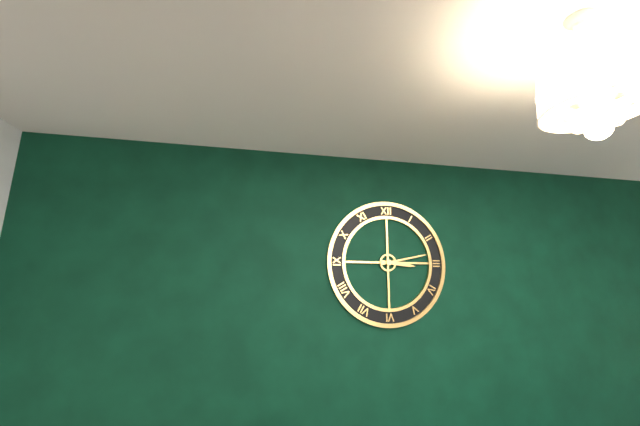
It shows 3h13
